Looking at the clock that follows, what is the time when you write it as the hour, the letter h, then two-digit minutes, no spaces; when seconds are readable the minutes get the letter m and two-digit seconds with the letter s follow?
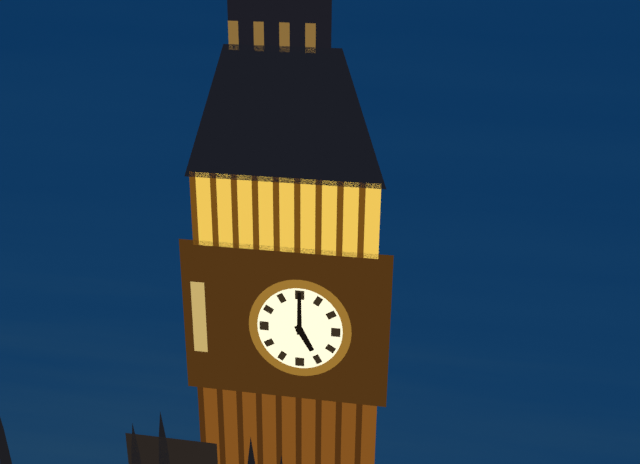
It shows 5h00
